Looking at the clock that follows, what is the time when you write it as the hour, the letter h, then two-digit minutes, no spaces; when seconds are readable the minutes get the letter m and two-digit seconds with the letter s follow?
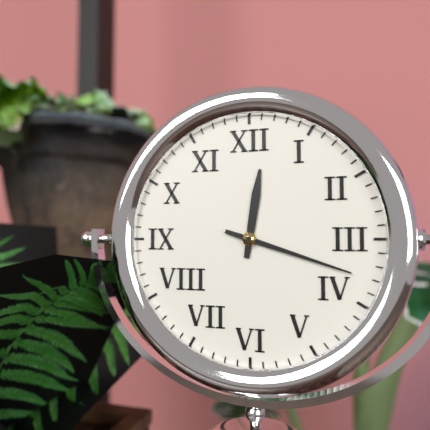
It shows 12h18
